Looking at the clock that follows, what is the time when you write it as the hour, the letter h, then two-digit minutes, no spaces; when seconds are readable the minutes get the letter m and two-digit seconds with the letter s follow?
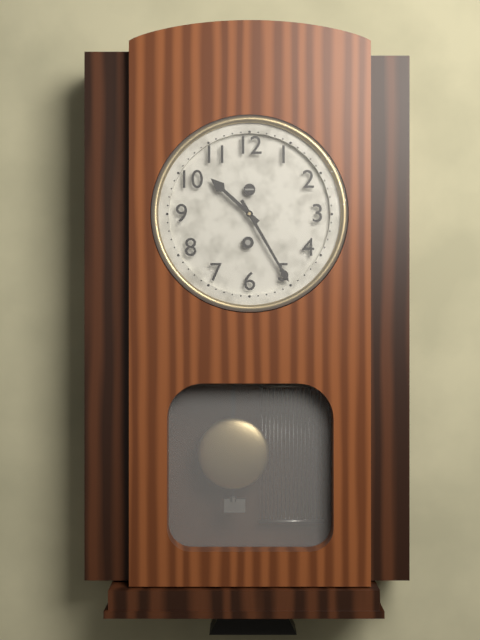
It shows 10h25
